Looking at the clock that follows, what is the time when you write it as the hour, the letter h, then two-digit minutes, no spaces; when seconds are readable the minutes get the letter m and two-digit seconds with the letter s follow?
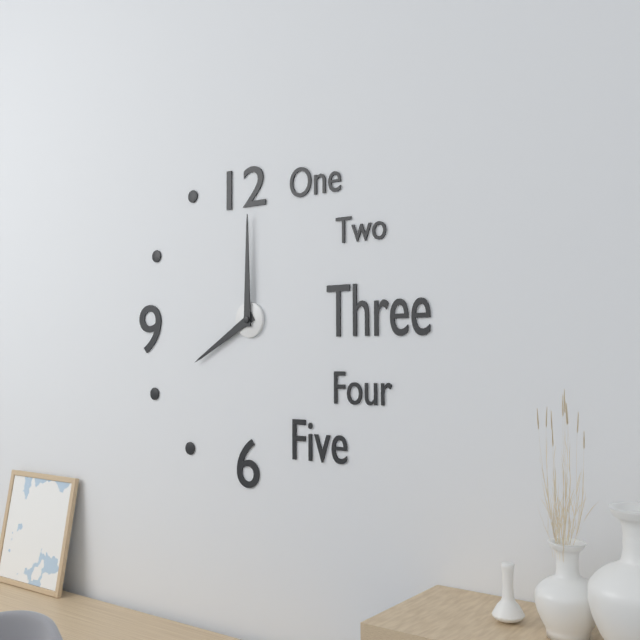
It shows 8h00
